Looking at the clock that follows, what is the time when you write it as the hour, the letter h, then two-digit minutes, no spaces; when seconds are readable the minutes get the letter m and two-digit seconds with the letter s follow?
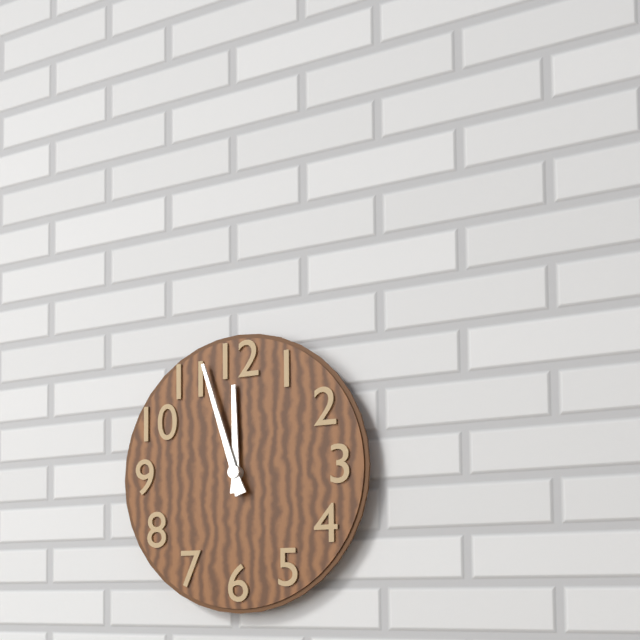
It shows 11h57
